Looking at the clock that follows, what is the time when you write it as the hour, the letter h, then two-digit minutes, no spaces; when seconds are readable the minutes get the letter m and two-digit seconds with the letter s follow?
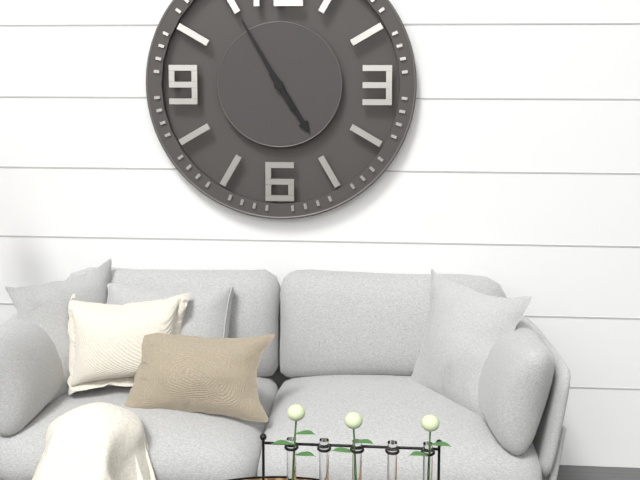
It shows 4h55
